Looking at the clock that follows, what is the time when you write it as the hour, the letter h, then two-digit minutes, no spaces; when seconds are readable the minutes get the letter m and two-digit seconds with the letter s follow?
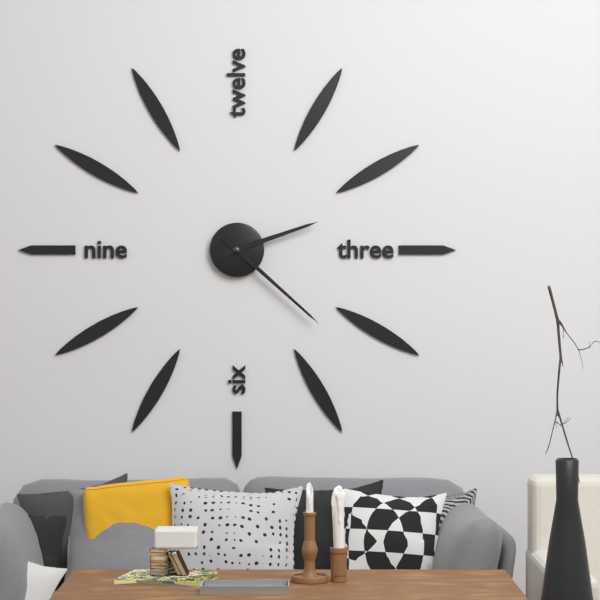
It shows 2h22
